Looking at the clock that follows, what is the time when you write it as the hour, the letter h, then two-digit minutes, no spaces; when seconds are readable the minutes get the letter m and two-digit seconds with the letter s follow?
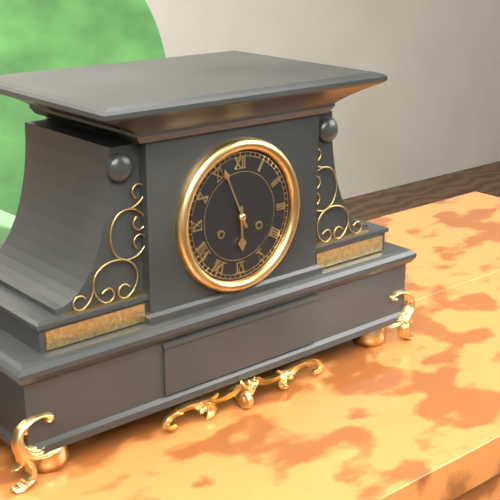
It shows 5h56
